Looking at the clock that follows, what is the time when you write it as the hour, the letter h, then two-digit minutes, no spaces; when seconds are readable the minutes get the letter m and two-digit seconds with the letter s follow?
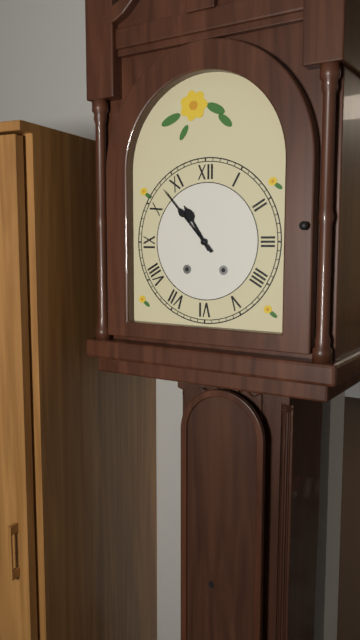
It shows 10h53
